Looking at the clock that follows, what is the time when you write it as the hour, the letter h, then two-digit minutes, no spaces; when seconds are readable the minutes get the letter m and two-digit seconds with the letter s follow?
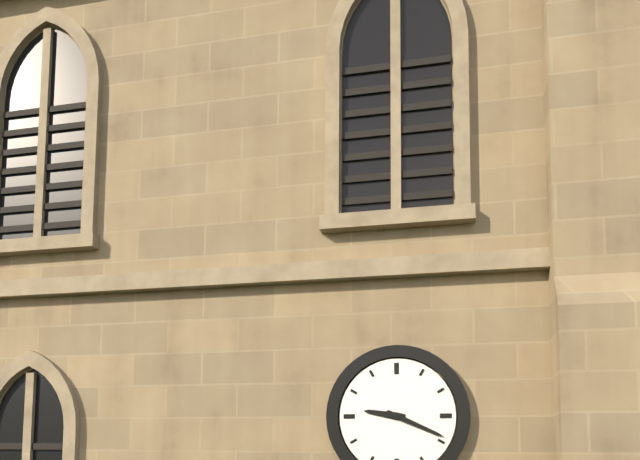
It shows 9h19
